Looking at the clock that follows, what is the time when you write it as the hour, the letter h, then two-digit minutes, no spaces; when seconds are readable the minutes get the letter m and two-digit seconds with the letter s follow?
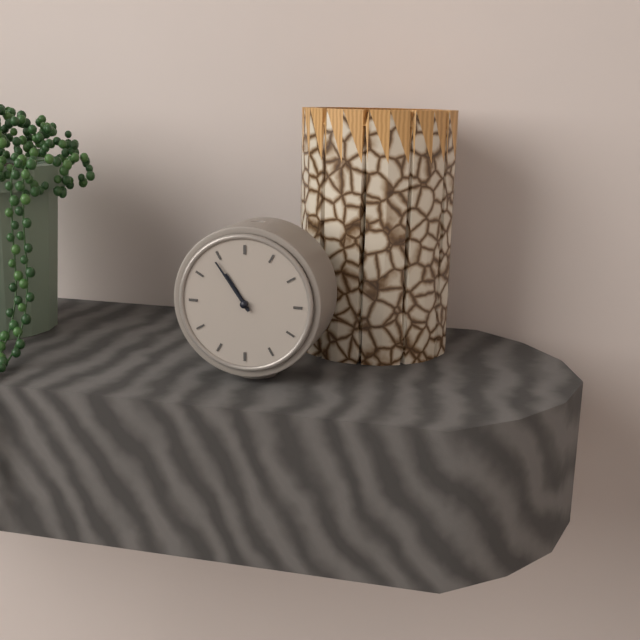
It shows 10h54
